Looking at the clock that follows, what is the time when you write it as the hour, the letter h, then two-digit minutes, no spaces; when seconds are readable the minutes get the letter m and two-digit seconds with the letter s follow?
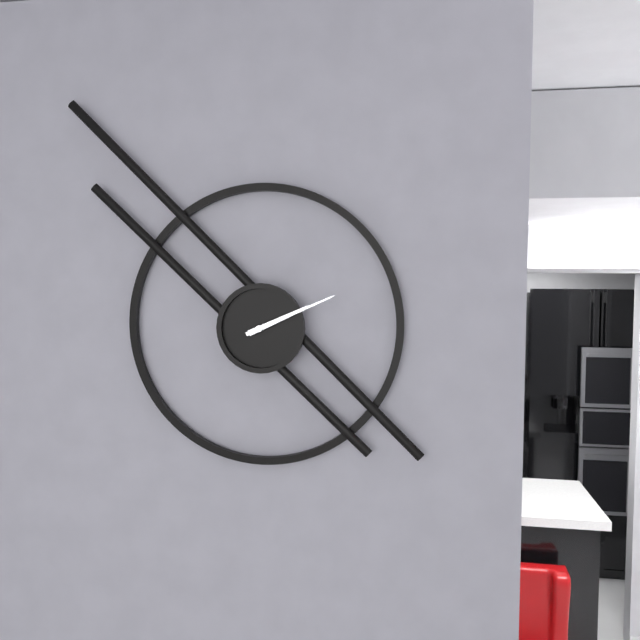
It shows 2h11
